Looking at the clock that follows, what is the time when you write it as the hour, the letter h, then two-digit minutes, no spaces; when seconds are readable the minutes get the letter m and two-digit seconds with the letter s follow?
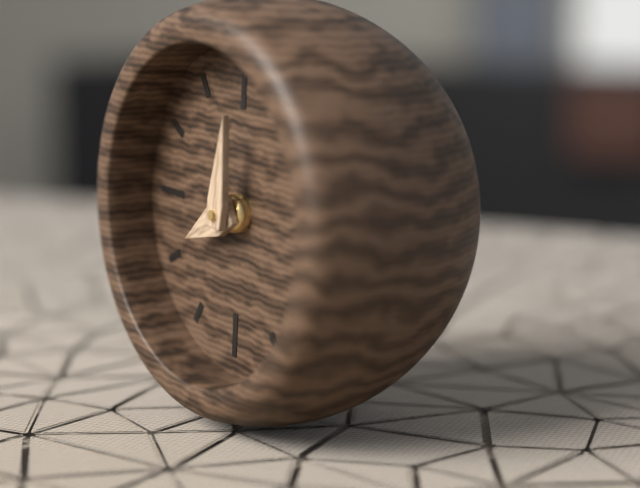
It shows 8h01
